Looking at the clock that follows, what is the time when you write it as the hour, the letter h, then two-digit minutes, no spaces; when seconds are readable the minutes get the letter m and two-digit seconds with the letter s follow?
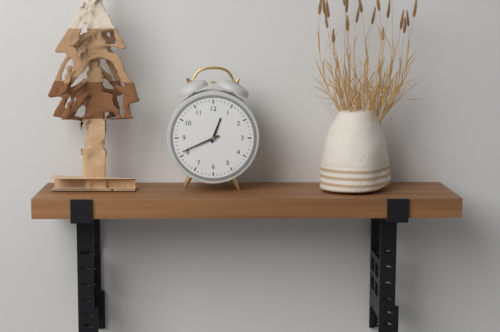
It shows 12h41
